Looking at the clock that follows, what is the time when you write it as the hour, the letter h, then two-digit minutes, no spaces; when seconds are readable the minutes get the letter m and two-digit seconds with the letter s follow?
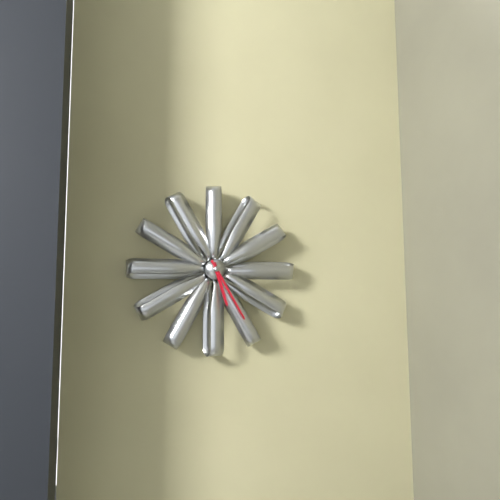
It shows 5h25
